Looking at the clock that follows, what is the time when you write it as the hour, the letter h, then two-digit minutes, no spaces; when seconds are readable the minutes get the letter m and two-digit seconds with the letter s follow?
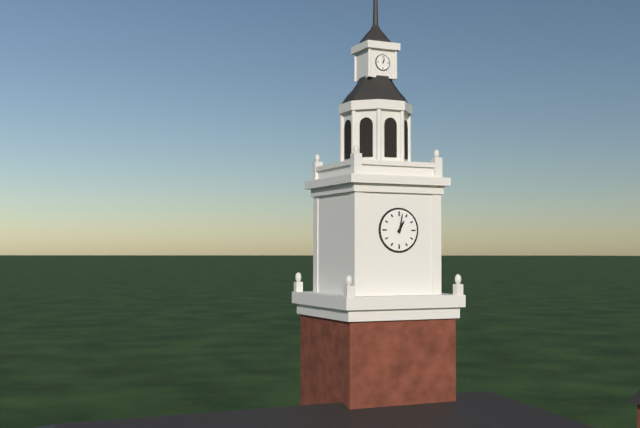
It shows 1h02
